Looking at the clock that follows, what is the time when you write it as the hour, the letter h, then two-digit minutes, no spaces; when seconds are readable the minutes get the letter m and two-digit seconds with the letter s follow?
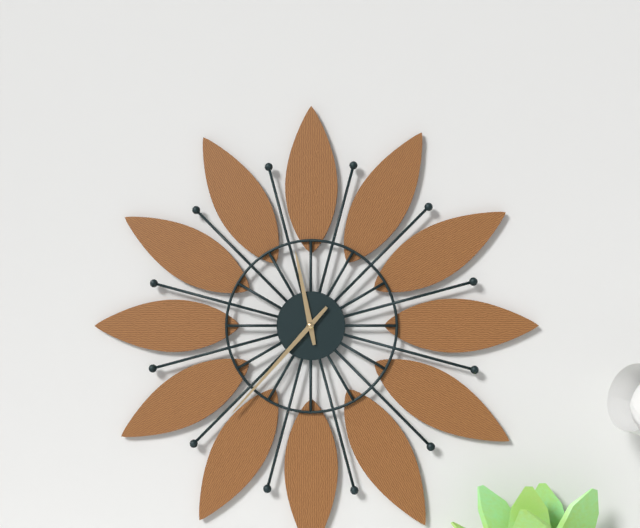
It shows 11h37
